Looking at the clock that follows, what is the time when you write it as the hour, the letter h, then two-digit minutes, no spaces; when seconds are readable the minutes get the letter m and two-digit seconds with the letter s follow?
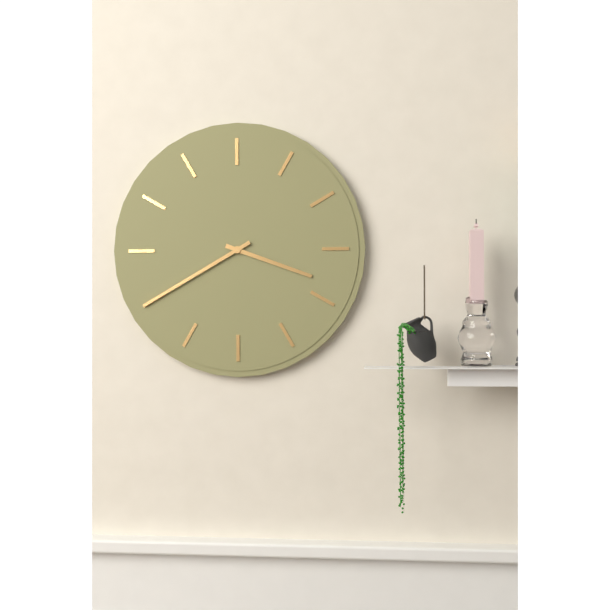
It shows 3h40
